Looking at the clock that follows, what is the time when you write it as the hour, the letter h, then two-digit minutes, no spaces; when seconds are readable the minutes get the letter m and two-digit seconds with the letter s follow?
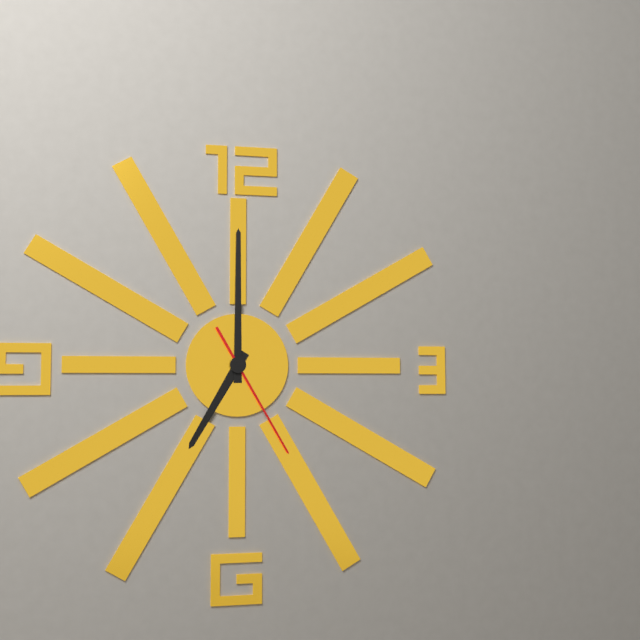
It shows 7h00m25s
